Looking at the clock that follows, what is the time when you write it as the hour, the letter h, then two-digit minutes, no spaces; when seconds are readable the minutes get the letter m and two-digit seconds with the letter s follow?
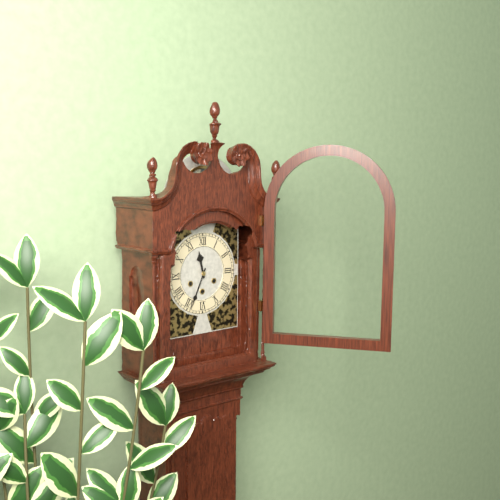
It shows 11h34
